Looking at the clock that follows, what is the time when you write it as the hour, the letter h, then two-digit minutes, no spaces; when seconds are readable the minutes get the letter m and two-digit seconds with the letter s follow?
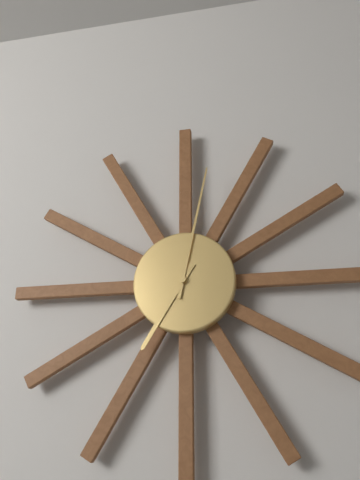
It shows 7h02
